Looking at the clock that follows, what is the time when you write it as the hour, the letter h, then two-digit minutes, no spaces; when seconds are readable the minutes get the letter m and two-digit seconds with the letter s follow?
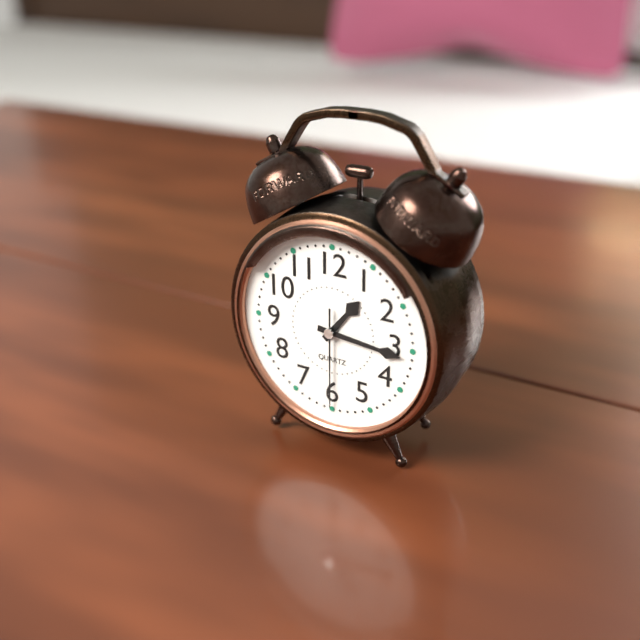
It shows 1h16m30s
